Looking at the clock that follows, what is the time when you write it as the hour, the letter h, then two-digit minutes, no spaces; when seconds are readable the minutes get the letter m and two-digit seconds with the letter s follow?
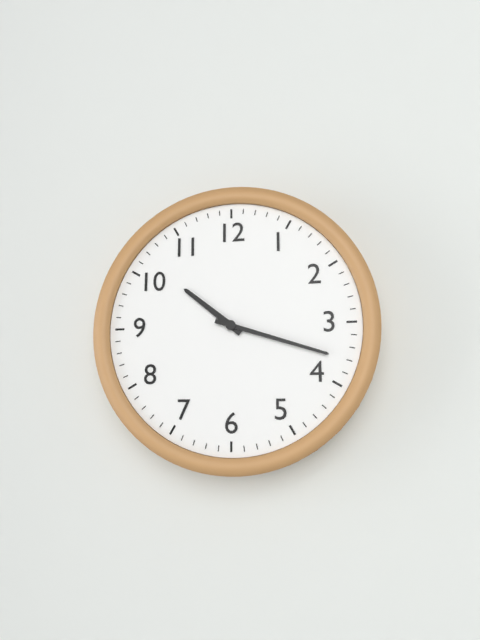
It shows 10h18
